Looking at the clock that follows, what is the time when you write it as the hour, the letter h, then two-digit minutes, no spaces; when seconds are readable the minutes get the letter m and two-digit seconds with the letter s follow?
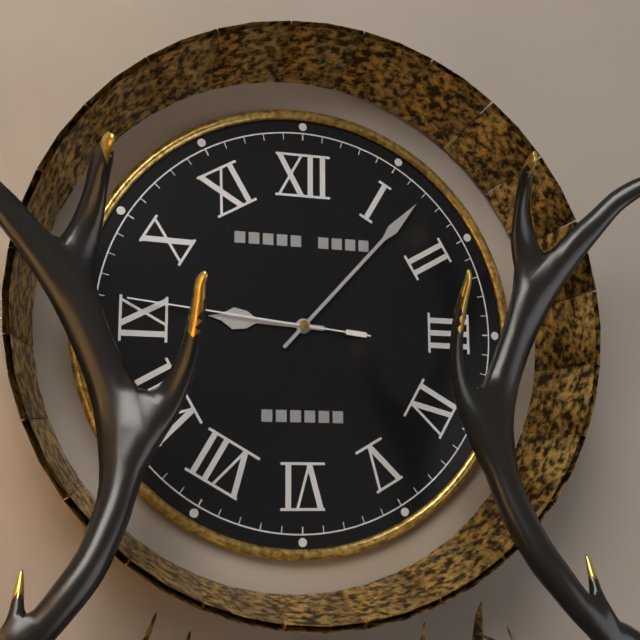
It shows 9h07m46s
